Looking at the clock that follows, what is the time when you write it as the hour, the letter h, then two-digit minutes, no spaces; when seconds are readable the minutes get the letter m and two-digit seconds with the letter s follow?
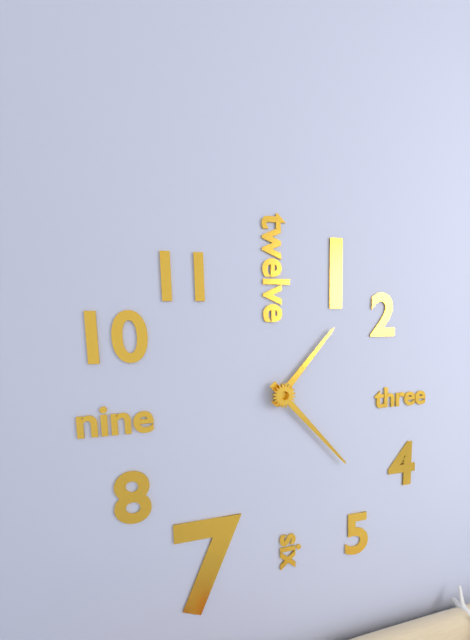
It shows 1h23
